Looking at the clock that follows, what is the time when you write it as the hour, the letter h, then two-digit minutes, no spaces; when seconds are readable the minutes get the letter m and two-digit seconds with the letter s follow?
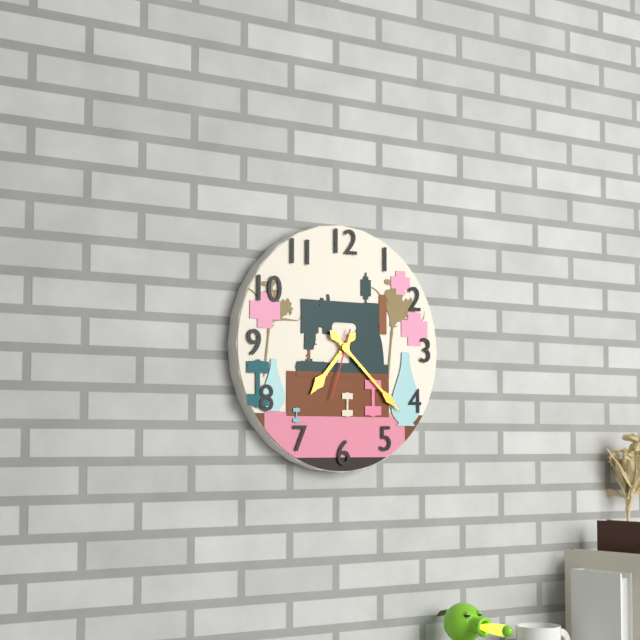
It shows 7h22m33s
